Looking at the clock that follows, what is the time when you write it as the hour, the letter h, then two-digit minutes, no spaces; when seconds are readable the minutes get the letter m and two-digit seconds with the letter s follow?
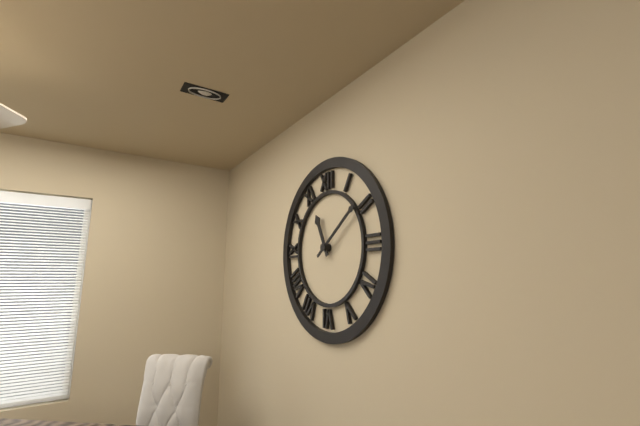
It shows 11h09
